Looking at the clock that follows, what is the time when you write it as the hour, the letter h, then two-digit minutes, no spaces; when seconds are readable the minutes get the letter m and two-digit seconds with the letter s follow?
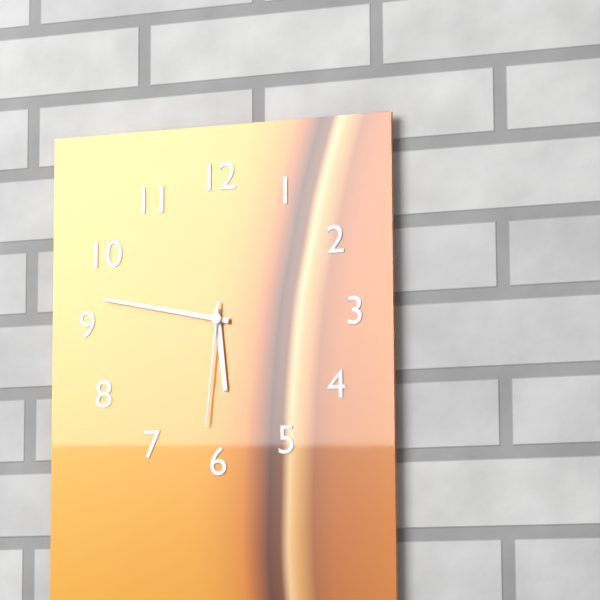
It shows 5h47m31s
